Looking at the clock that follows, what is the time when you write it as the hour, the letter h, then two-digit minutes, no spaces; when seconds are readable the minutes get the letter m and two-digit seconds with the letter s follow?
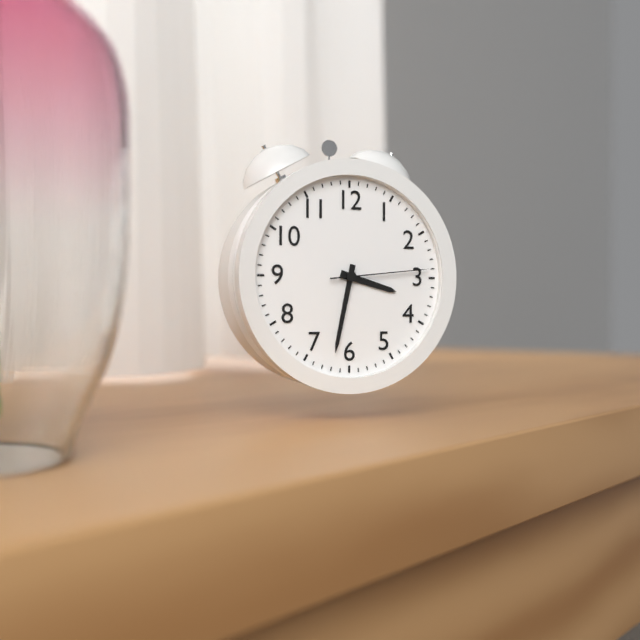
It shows 3h32m14s
